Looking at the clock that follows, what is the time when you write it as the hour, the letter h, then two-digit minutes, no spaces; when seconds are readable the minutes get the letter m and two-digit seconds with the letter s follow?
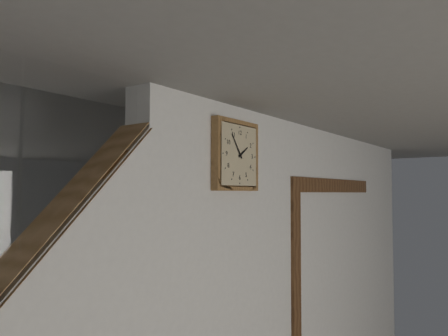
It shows 1h54
